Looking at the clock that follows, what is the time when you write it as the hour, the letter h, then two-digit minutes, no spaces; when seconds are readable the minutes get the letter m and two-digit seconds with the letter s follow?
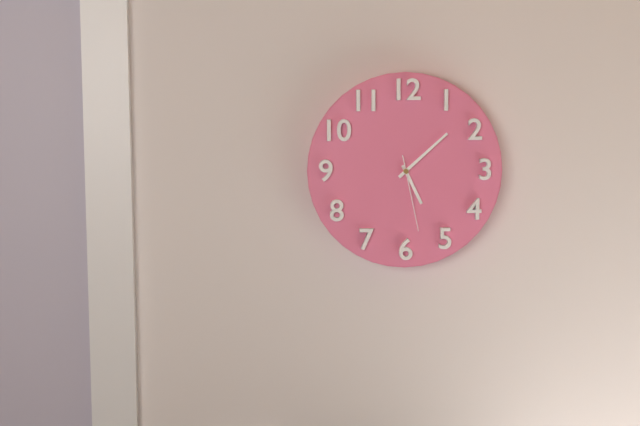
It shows 5h08m28s
